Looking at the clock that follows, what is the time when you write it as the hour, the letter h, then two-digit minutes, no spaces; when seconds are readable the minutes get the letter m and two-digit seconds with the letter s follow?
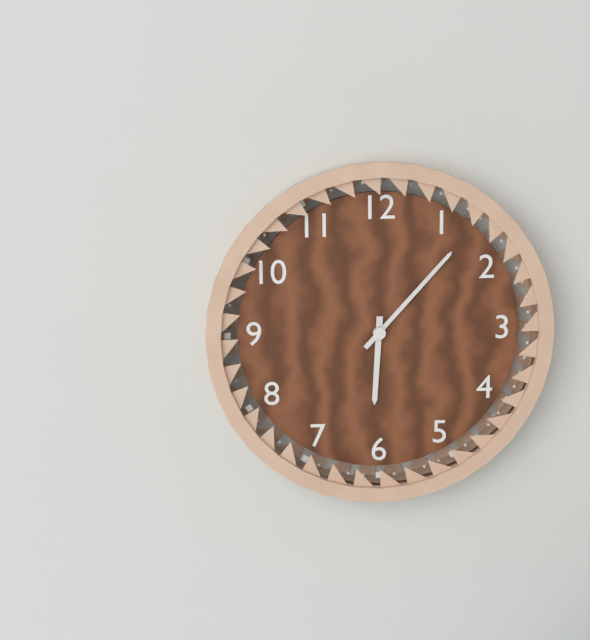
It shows 6h07
